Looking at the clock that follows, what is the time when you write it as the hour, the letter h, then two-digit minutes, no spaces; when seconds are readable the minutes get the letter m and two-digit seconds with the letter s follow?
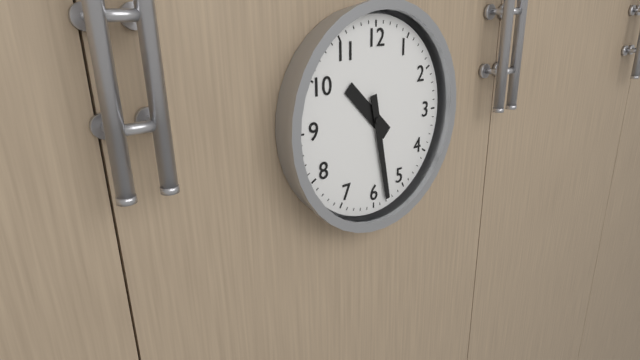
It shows 10h28
